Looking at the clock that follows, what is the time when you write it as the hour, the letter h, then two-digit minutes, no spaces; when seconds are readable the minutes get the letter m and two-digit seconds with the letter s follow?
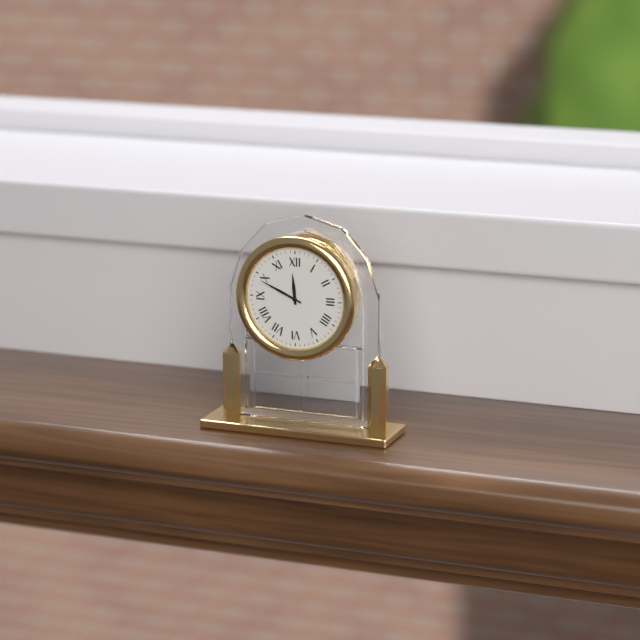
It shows 11h49
